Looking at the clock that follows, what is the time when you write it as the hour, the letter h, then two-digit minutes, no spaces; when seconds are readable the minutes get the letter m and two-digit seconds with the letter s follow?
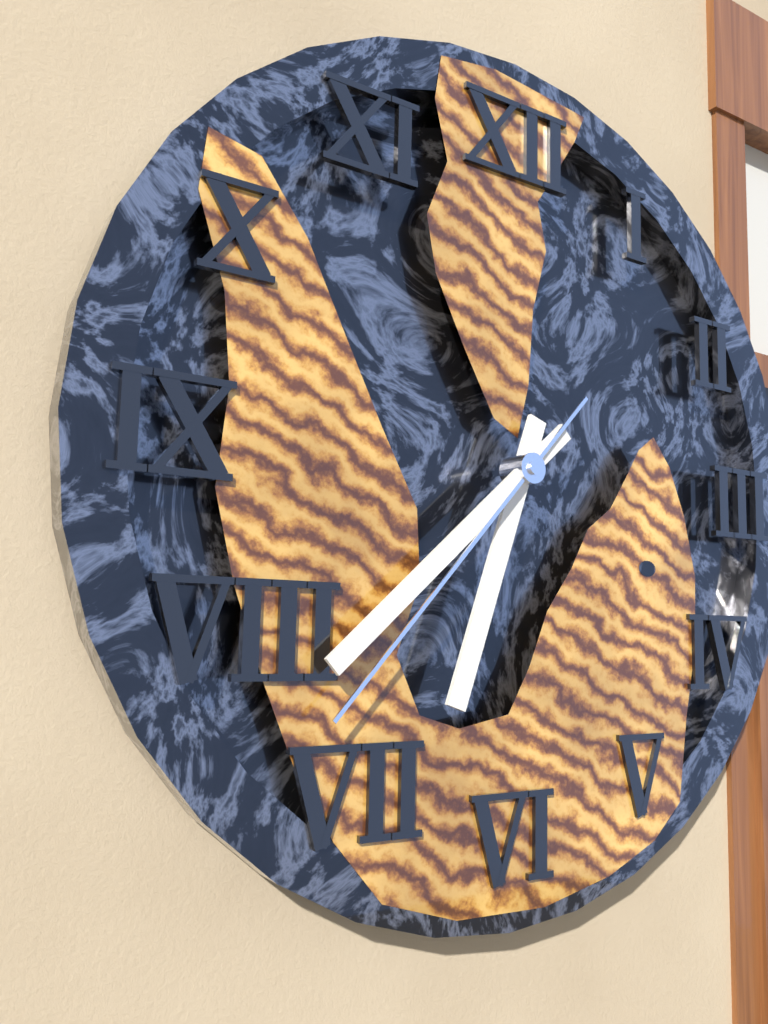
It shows 6h38m37s
